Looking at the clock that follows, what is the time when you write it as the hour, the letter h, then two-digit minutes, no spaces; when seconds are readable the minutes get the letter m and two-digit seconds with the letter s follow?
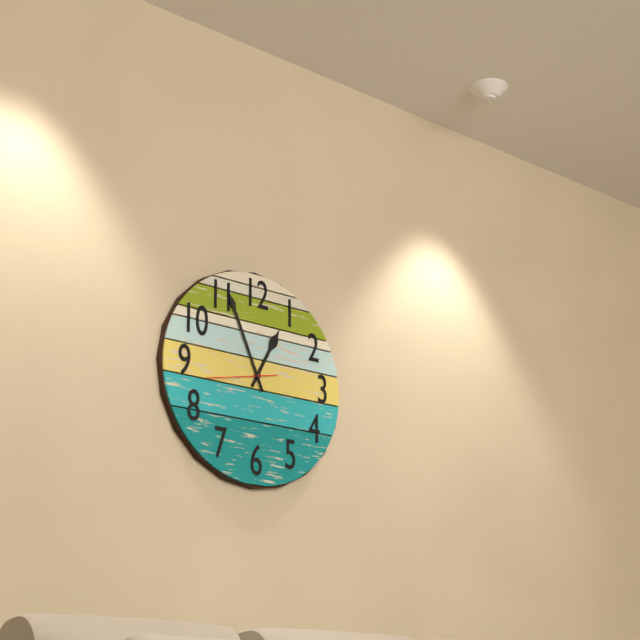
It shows 12h56m43s
